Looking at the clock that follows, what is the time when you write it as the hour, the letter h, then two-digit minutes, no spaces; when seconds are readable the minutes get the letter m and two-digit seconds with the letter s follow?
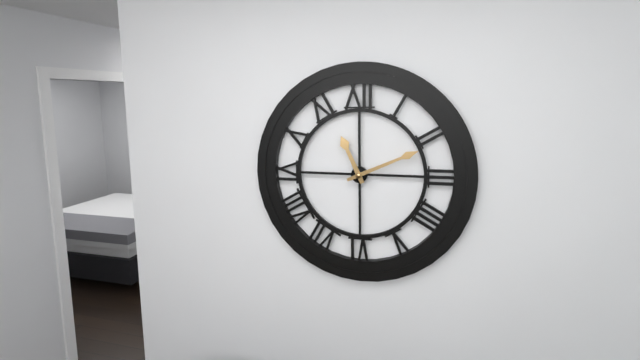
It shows 11h11
